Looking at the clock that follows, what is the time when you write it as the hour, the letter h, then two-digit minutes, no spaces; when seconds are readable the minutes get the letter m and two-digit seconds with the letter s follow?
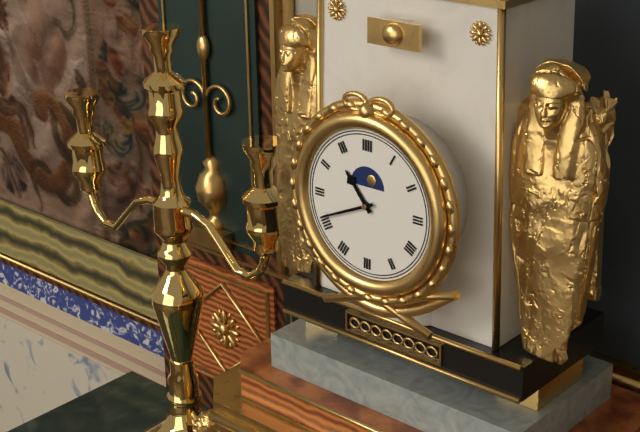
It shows 10h41
